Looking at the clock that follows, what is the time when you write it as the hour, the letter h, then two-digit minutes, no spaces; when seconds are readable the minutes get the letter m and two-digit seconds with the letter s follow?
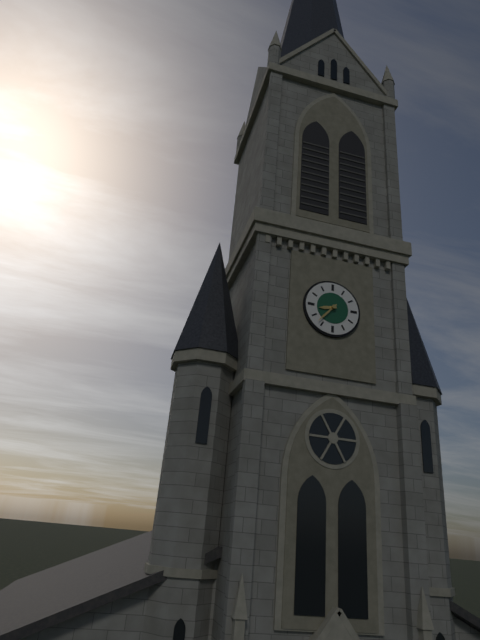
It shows 8h37
